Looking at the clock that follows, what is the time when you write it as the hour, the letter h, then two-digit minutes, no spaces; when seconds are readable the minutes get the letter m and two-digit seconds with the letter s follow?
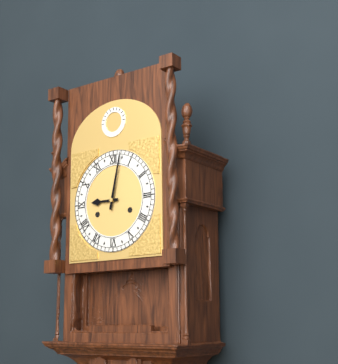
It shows 9h02
